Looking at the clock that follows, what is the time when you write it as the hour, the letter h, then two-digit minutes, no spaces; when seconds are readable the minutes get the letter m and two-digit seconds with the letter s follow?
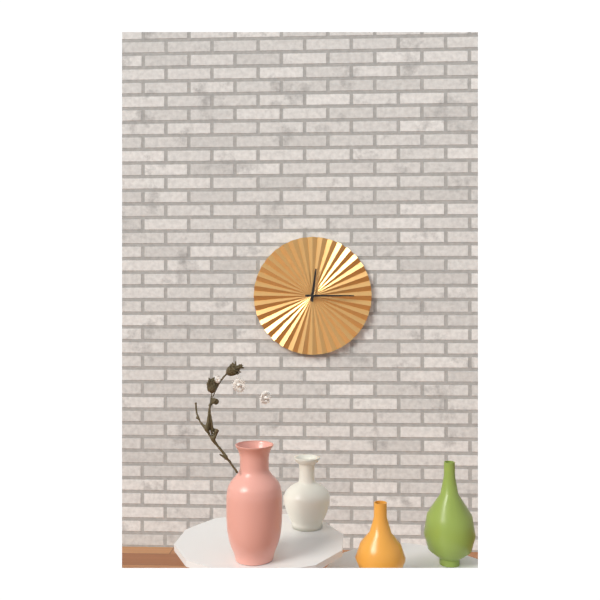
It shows 12h15
